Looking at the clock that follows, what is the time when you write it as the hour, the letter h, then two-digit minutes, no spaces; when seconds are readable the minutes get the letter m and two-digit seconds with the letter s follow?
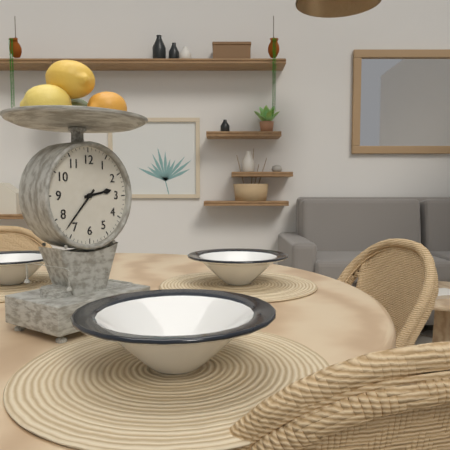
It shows 2h37
